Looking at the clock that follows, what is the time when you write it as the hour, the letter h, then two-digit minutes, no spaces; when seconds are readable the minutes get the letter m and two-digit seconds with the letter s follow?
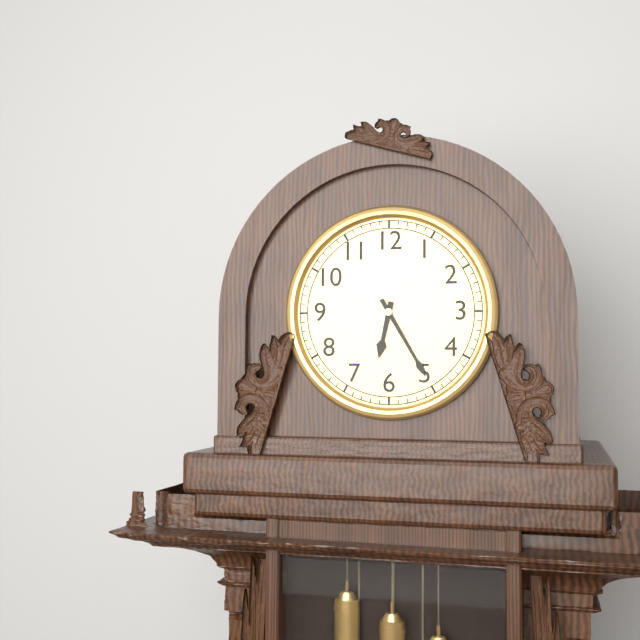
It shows 6h25
